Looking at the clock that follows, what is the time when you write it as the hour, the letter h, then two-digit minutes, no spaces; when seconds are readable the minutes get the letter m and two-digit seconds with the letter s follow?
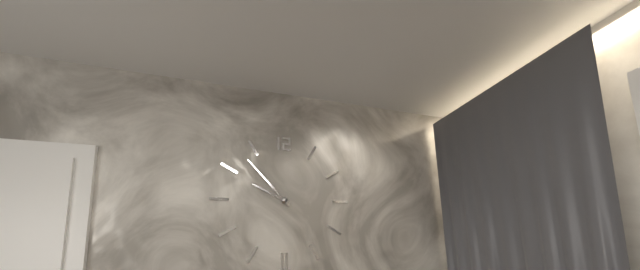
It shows 9h53
